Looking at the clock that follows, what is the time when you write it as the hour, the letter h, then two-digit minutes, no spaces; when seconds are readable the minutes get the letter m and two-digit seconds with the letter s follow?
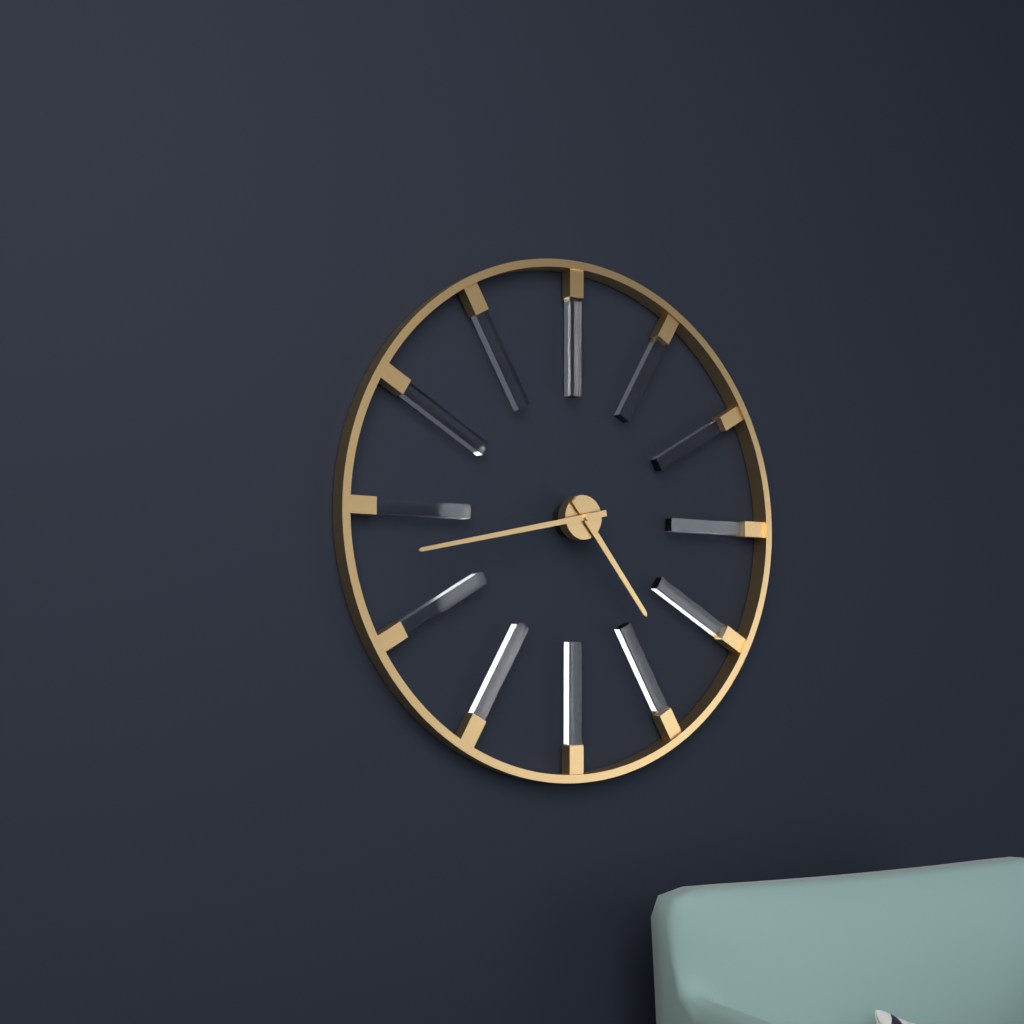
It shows 4h43
